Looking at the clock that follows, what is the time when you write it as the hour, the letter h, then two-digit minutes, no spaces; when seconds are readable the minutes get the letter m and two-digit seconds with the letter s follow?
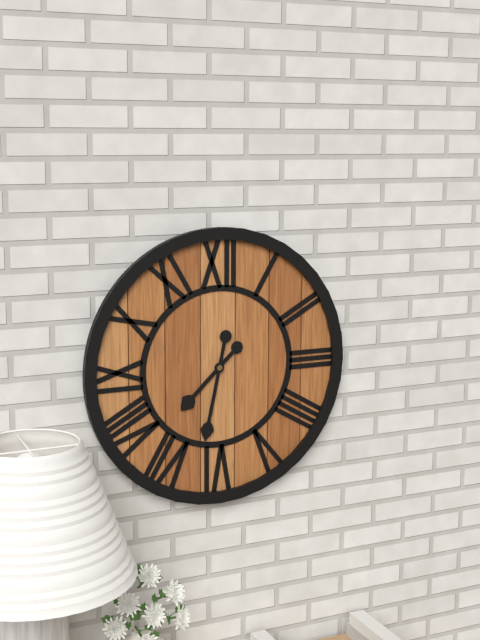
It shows 7h32
